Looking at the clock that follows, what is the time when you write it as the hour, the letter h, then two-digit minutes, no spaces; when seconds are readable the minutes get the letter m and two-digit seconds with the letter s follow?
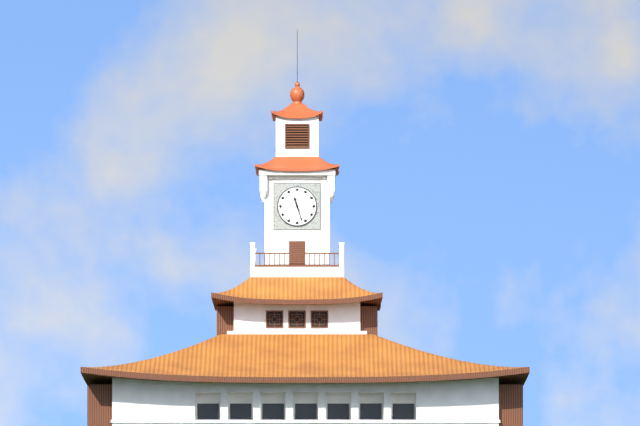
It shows 11h27
